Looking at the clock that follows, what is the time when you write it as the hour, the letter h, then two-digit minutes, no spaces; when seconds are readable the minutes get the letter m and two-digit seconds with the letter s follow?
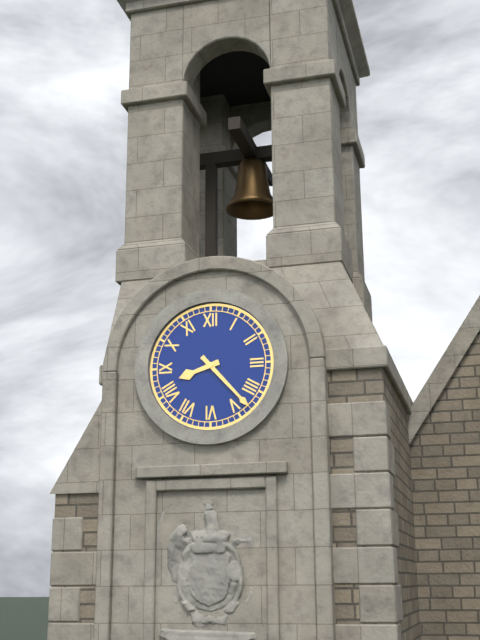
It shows 8h23
